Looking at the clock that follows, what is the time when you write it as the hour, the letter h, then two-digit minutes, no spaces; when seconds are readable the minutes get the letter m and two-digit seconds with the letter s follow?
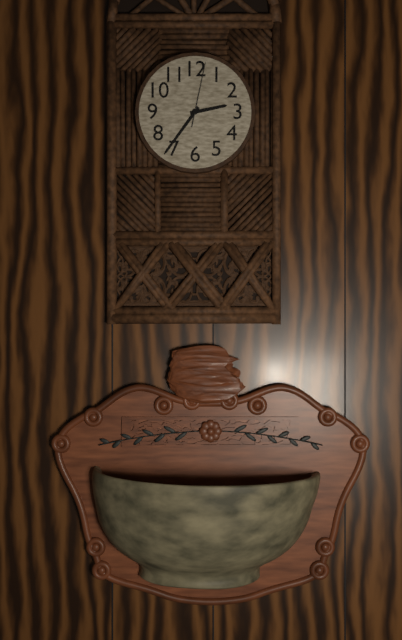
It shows 2h36m02s
